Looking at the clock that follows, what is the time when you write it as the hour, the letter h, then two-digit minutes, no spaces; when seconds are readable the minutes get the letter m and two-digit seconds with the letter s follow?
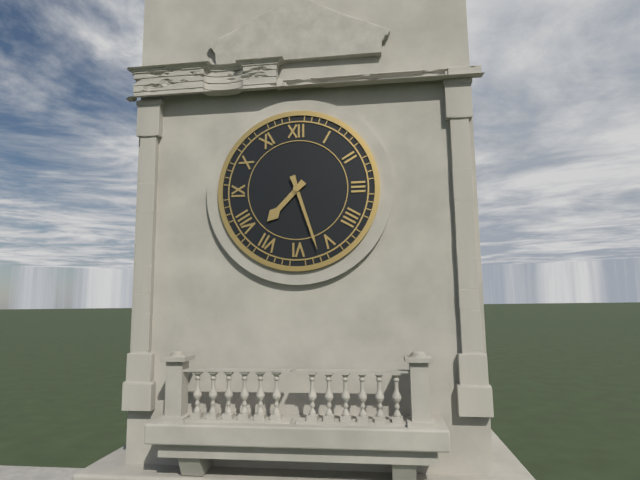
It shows 7h27
